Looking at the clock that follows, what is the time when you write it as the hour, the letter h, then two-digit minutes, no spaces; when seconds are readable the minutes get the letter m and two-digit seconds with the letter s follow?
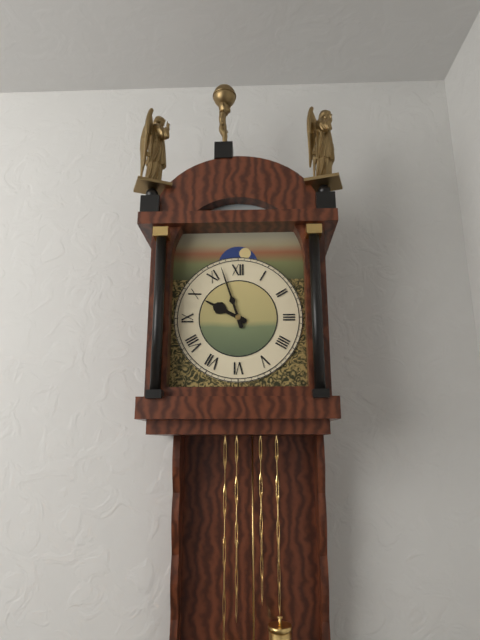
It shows 9h57
